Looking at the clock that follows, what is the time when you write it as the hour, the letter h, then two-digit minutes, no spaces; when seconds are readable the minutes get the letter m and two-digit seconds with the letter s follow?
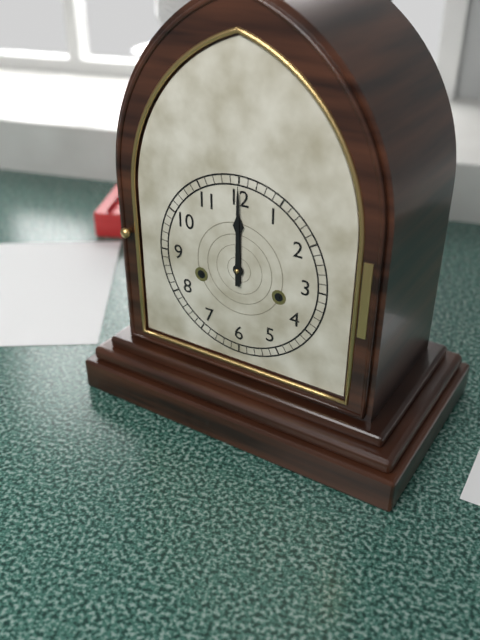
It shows 12h00
